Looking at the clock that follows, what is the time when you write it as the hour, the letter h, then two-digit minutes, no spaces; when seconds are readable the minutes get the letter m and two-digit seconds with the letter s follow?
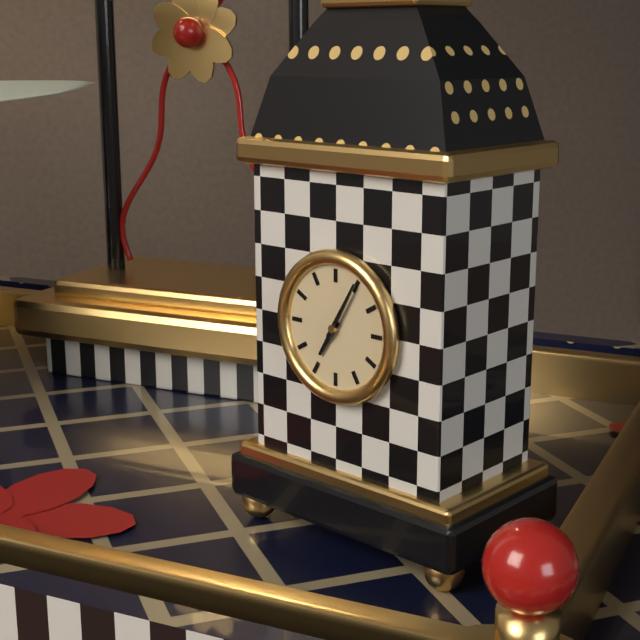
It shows 7h05
